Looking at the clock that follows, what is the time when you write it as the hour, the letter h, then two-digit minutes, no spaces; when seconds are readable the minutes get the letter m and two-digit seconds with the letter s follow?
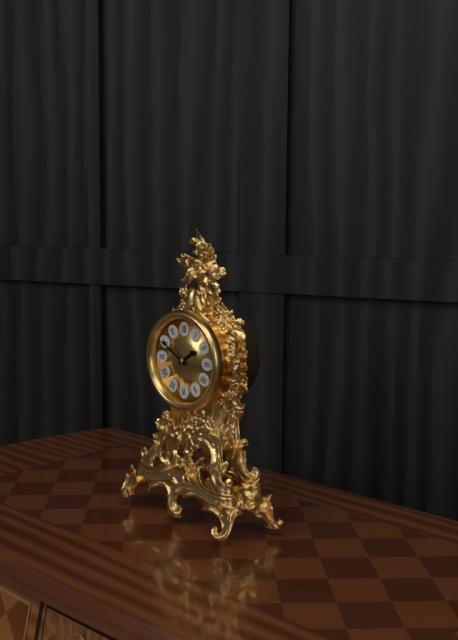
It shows 1h50
